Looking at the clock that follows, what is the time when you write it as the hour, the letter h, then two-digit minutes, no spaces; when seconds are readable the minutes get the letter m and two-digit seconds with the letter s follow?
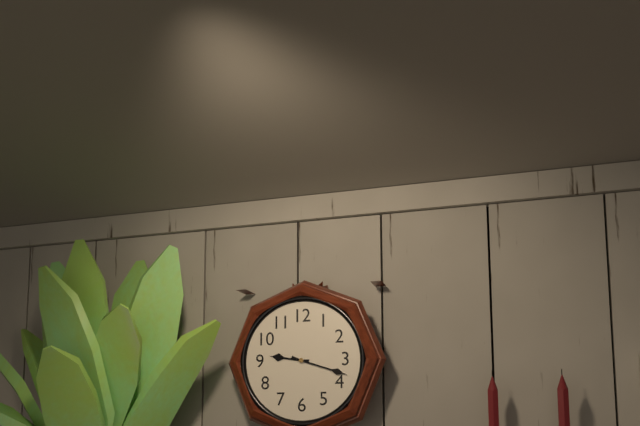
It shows 9h18
